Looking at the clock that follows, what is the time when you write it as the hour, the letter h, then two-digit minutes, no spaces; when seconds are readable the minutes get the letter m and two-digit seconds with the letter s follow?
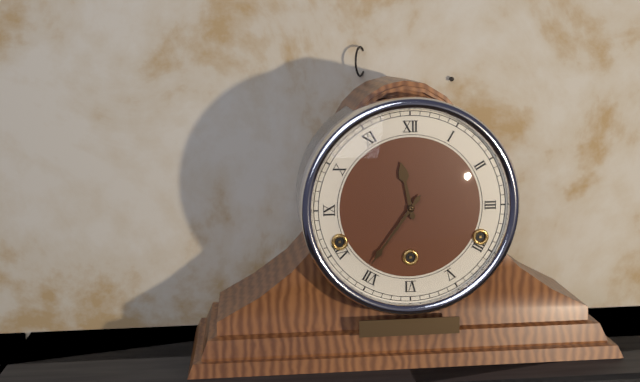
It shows 11h36
